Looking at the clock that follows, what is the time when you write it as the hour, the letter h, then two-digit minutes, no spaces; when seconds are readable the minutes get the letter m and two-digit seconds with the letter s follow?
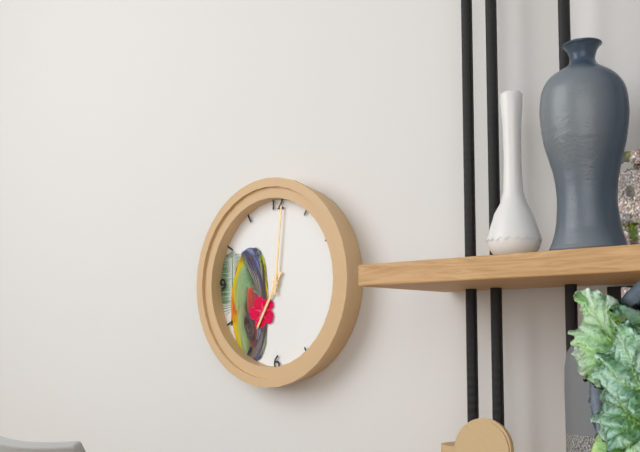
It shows 7h01
